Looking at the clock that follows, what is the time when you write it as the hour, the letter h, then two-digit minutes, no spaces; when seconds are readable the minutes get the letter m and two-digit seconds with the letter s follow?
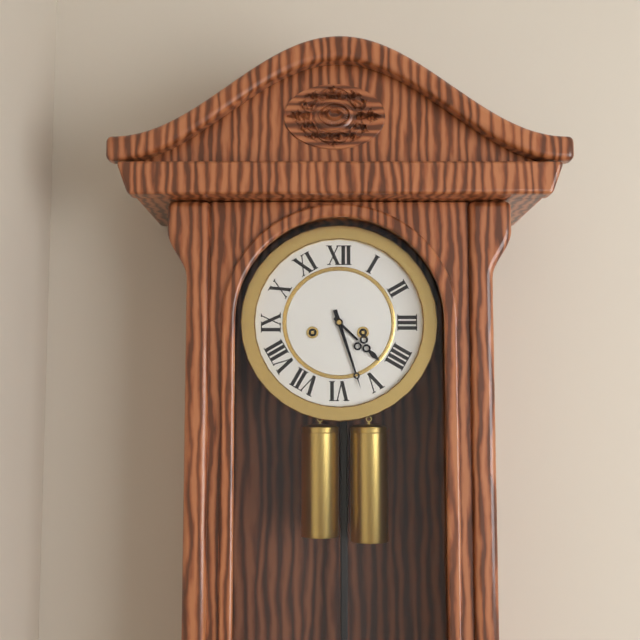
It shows 4h27
